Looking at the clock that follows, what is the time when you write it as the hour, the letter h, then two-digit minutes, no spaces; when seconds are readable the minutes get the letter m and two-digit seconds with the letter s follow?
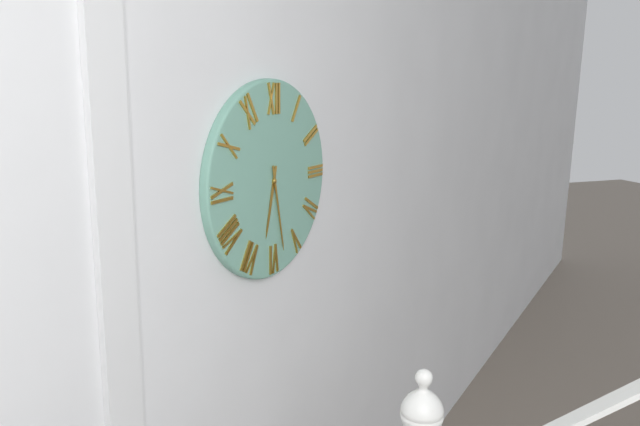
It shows 6h28
